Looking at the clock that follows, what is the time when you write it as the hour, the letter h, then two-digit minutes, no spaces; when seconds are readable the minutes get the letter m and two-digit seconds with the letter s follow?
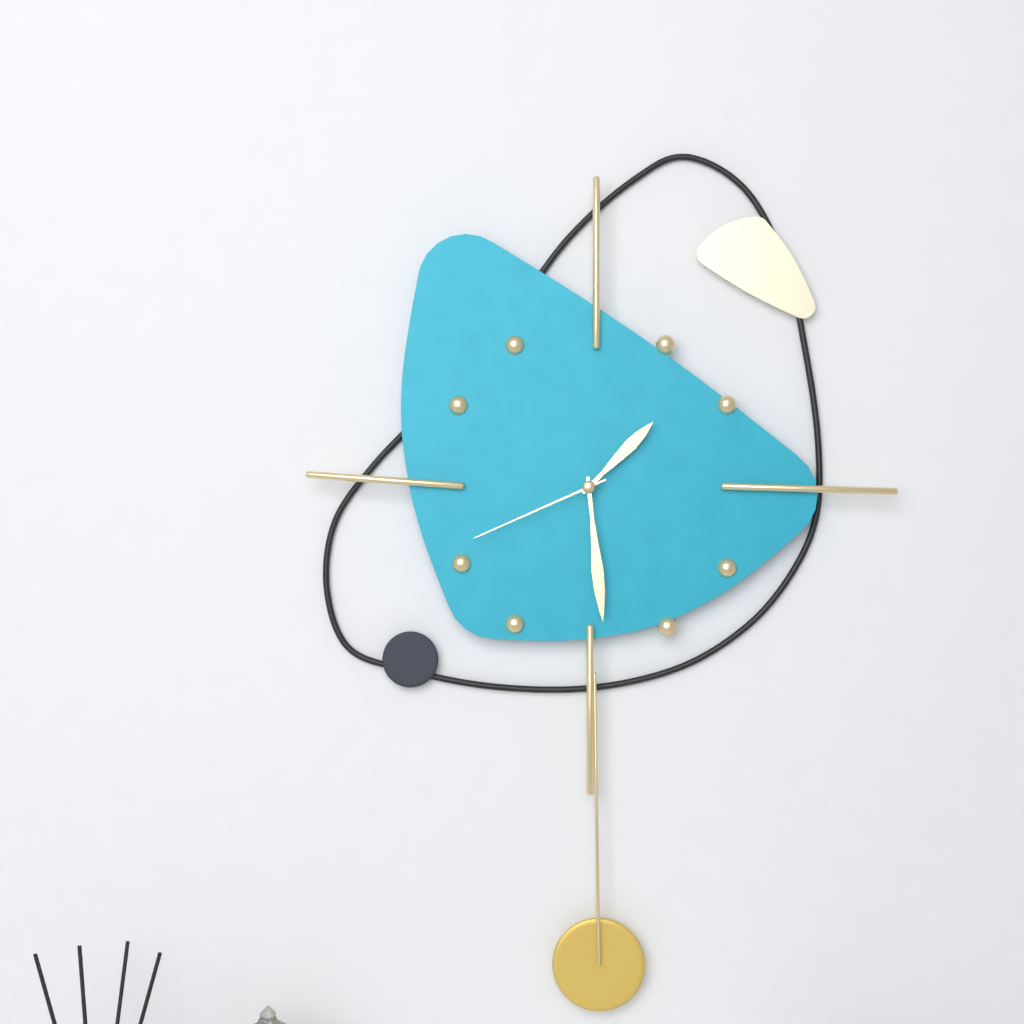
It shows 1h29m41s
